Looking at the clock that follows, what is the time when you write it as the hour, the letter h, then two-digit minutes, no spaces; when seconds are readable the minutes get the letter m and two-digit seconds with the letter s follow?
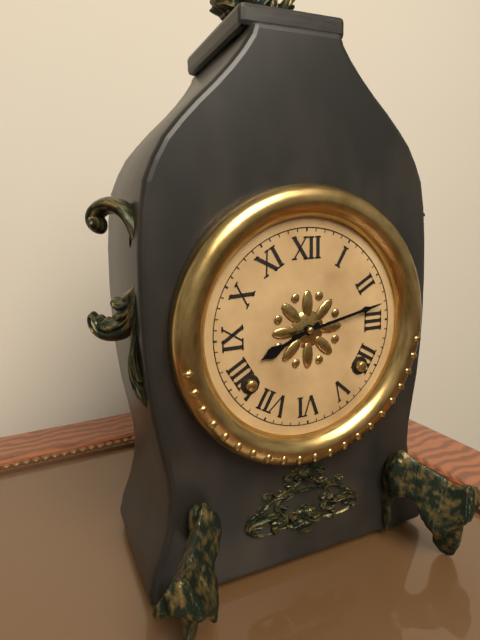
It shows 8h13
